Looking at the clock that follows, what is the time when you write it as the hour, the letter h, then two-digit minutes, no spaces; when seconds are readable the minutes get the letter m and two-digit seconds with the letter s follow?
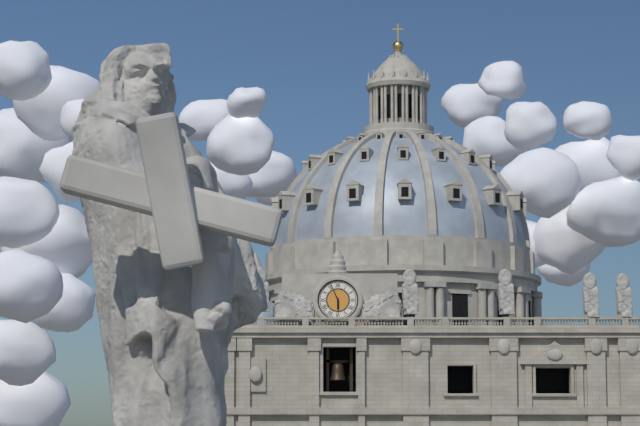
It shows 5h56
